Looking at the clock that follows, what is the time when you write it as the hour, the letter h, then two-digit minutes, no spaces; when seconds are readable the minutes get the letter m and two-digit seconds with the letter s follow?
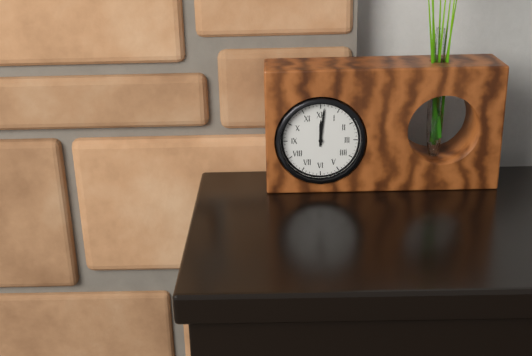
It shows 12h01
